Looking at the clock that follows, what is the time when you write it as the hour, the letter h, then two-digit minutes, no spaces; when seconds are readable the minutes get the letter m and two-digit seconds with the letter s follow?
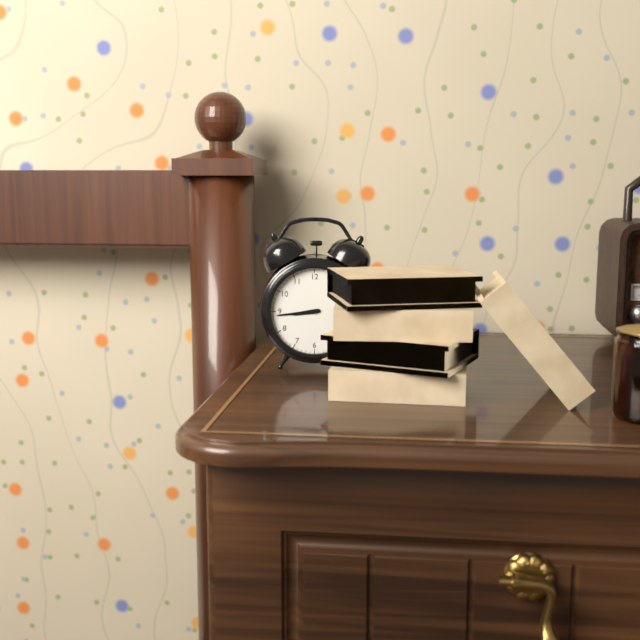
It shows 8h44
